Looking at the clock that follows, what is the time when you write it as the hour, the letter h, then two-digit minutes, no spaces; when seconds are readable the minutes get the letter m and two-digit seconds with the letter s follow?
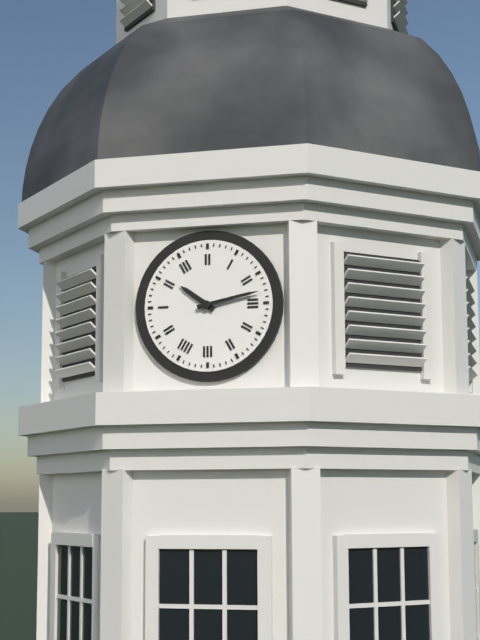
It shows 10h13
